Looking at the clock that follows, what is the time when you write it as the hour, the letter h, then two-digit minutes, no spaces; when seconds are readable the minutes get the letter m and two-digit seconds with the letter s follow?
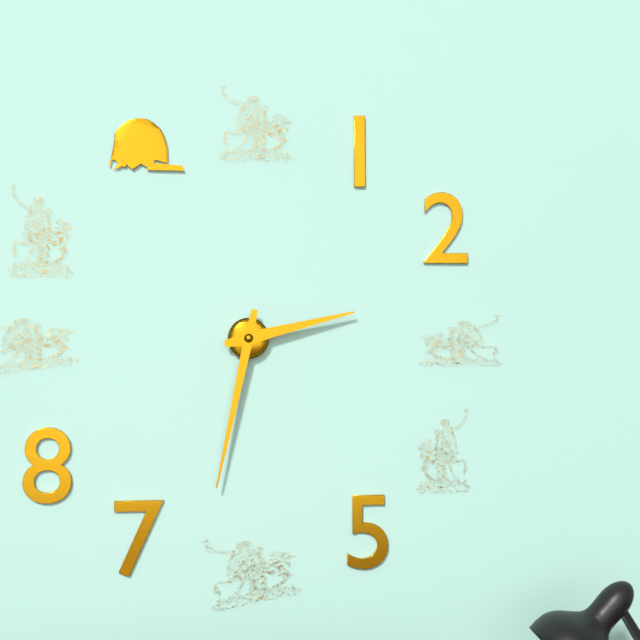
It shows 2h32
